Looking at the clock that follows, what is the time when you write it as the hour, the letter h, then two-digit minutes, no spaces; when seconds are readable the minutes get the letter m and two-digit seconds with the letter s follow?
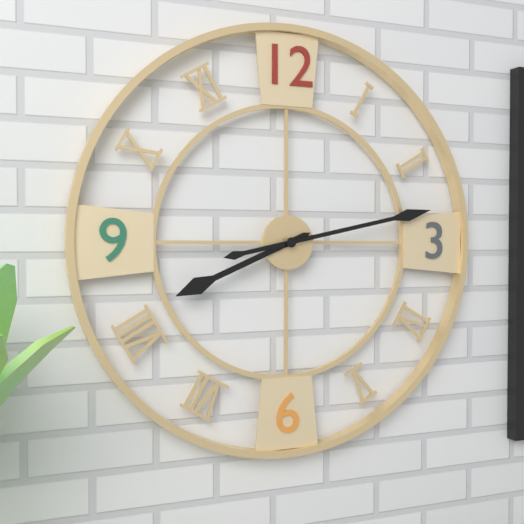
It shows 8h13
